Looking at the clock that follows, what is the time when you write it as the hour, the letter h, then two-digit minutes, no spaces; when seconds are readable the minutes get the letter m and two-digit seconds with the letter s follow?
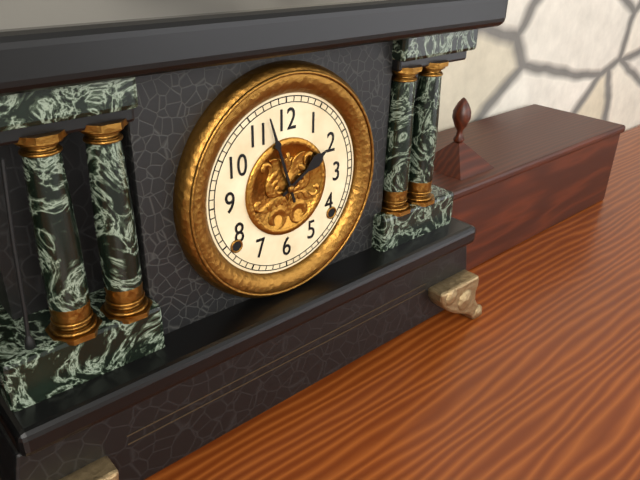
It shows 1h57
